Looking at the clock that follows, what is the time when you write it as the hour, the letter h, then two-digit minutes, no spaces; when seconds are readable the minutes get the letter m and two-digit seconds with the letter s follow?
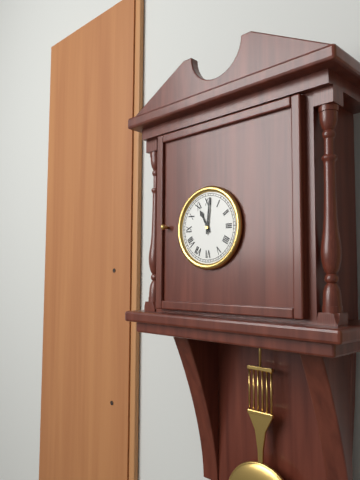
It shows 11h01
